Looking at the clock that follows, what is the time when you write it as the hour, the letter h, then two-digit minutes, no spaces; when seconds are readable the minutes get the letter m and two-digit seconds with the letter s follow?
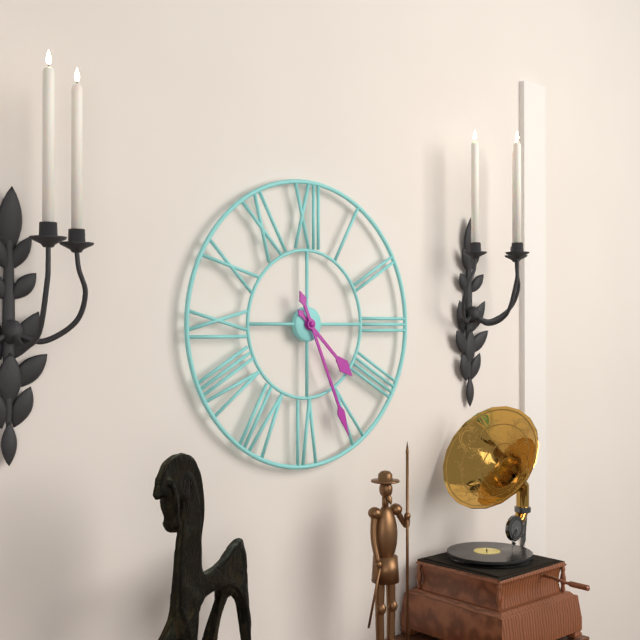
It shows 4h26
